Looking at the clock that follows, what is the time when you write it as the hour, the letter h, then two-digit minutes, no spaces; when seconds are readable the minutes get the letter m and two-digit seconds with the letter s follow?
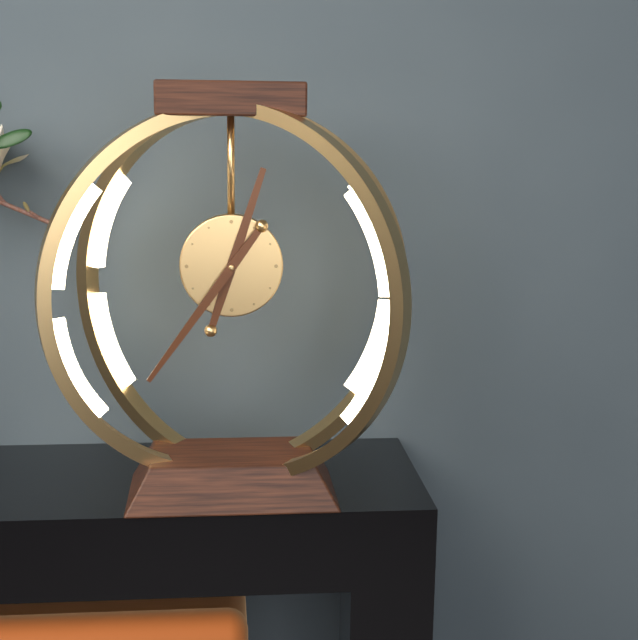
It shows 12h36
